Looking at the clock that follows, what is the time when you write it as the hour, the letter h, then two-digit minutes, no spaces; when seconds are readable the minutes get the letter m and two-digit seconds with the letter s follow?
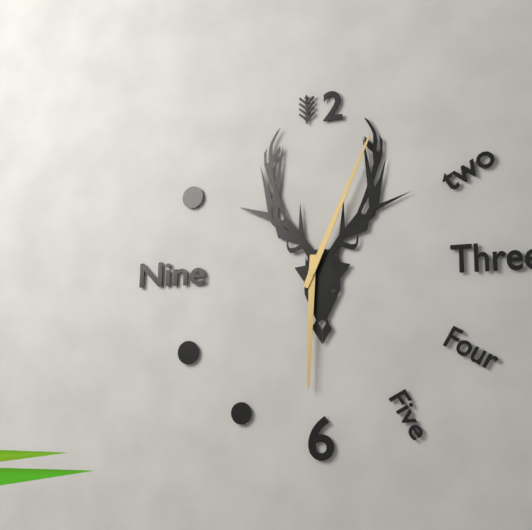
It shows 6h04
